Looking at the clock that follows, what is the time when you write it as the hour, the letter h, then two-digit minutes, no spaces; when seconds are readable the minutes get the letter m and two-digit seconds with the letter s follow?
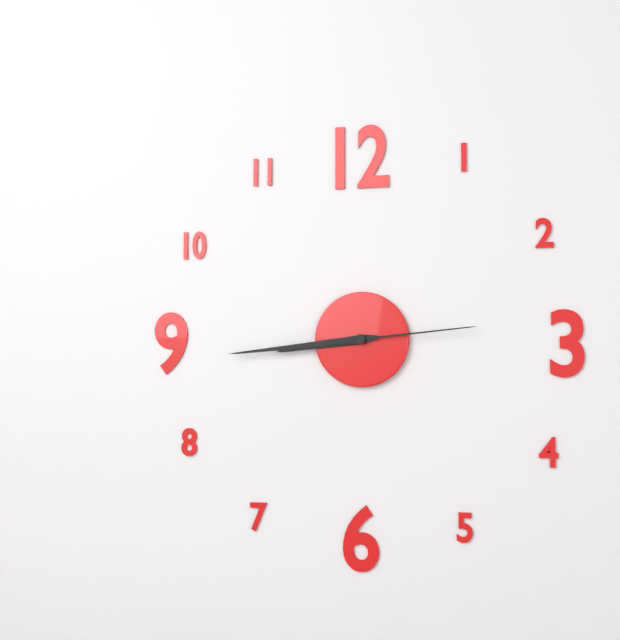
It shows 8h44m14s
